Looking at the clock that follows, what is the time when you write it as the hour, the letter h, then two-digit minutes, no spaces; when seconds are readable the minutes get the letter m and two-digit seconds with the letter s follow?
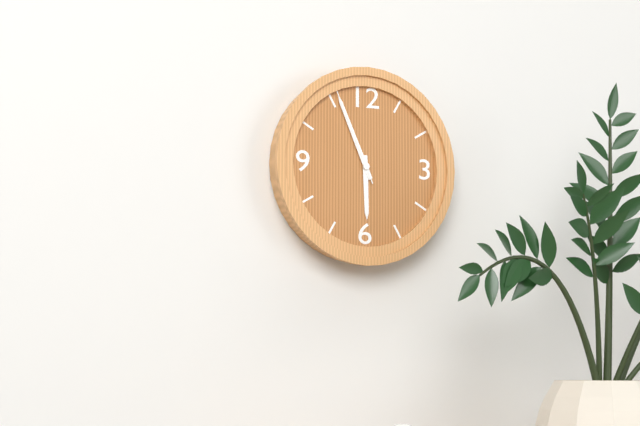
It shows 5h56m56s
